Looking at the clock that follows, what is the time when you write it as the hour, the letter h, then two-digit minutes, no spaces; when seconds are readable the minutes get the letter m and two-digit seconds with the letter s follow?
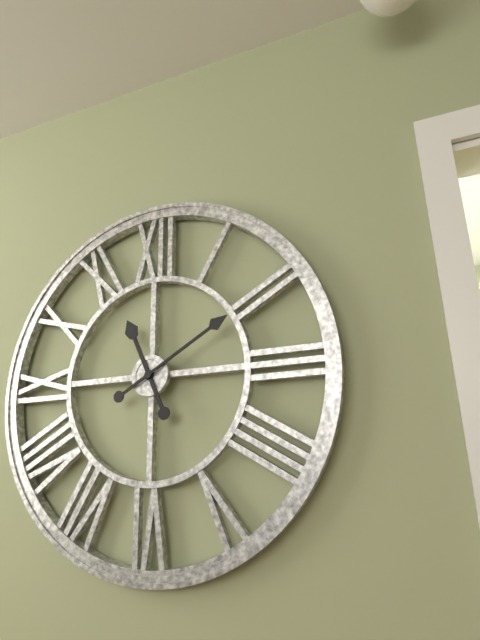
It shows 11h10
